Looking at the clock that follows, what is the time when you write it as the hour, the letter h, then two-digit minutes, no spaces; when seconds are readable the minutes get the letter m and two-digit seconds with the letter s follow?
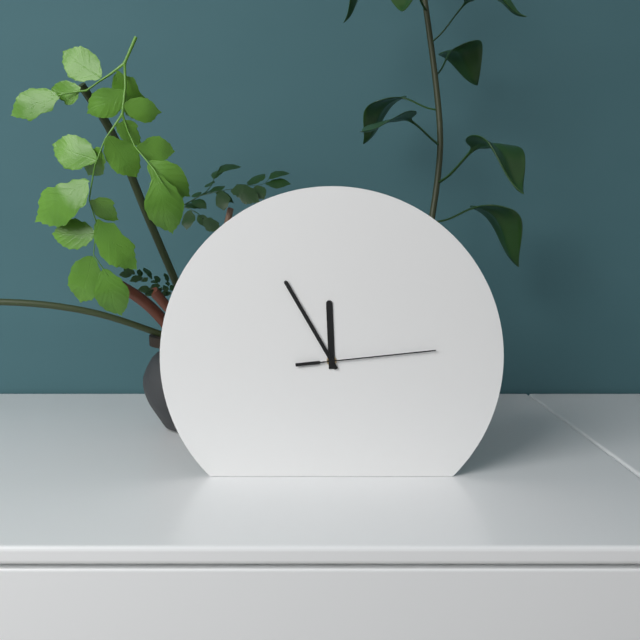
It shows 11h55m14s
